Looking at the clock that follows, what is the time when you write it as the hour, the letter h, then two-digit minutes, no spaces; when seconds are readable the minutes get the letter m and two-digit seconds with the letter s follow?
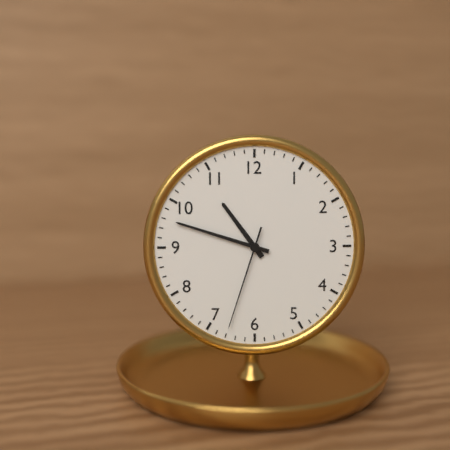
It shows 10h48m33s
